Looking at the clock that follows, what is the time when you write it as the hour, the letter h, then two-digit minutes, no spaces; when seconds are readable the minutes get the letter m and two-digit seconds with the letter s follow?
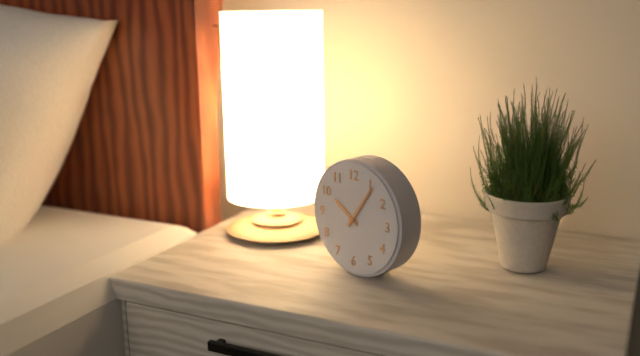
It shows 10h06
